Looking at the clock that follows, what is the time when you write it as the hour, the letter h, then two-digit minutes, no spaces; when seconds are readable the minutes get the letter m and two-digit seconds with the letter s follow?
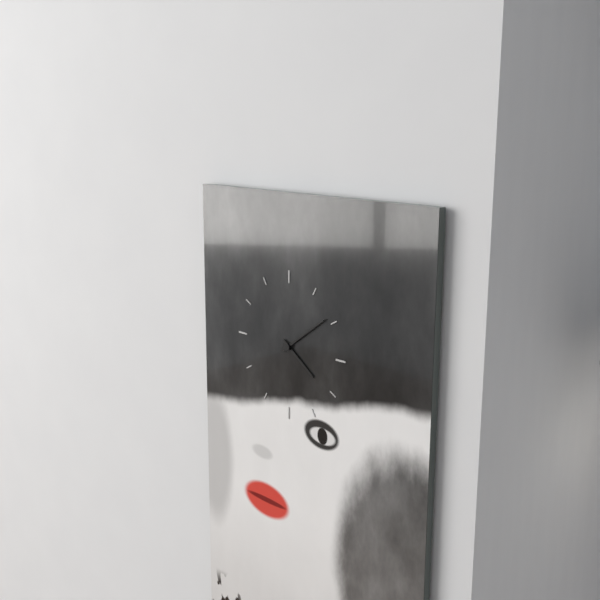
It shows 4h09
